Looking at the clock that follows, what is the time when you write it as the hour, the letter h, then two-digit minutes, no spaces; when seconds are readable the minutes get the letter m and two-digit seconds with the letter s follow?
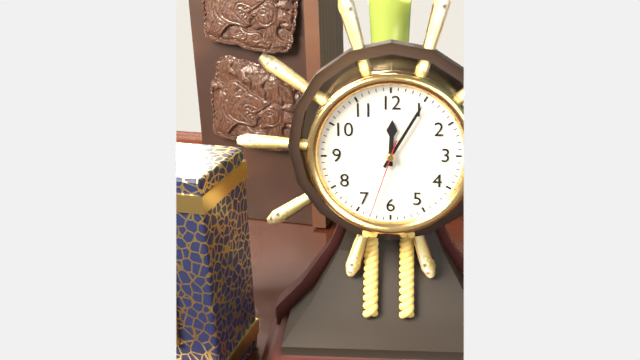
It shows 12h05m33s
